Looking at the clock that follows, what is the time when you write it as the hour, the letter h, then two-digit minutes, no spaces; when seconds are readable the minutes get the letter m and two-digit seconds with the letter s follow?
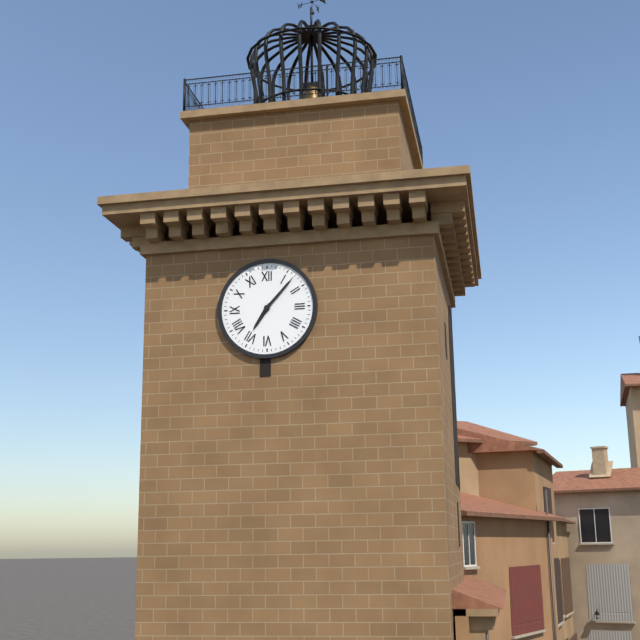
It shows 7h07
